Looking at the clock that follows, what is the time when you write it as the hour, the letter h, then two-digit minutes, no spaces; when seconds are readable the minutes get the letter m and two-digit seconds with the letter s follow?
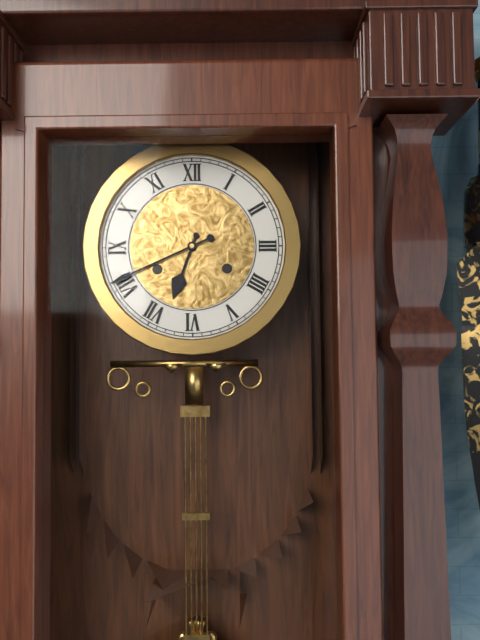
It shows 6h41
